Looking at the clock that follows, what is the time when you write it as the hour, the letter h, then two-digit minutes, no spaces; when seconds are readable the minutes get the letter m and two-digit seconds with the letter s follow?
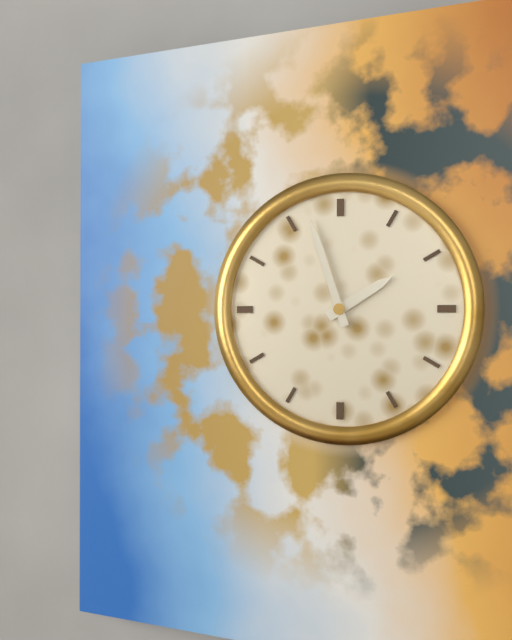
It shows 1h57
